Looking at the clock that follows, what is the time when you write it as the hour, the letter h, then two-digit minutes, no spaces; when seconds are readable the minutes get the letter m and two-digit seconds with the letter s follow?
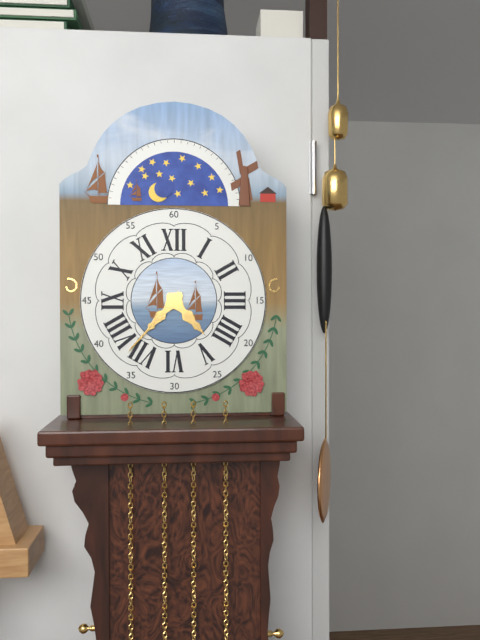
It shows 4h37
